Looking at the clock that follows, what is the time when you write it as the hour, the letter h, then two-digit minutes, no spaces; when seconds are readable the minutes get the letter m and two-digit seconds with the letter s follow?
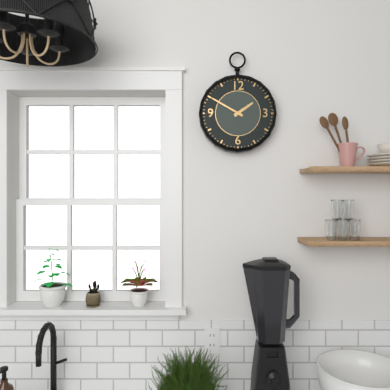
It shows 1h50
